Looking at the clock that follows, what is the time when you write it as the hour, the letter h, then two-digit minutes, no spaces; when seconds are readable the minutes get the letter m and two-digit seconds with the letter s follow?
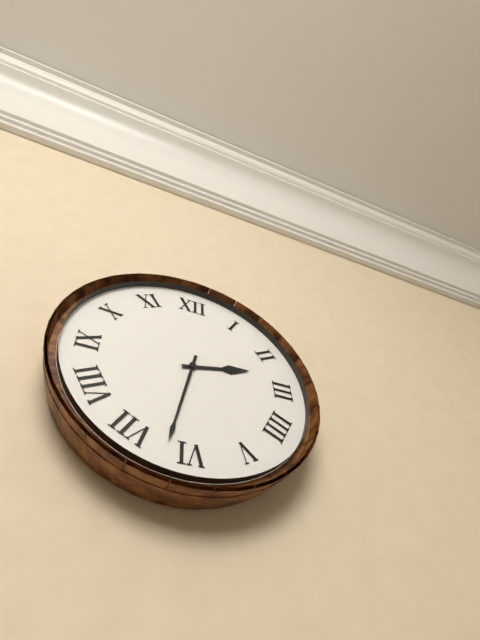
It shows 2h32
